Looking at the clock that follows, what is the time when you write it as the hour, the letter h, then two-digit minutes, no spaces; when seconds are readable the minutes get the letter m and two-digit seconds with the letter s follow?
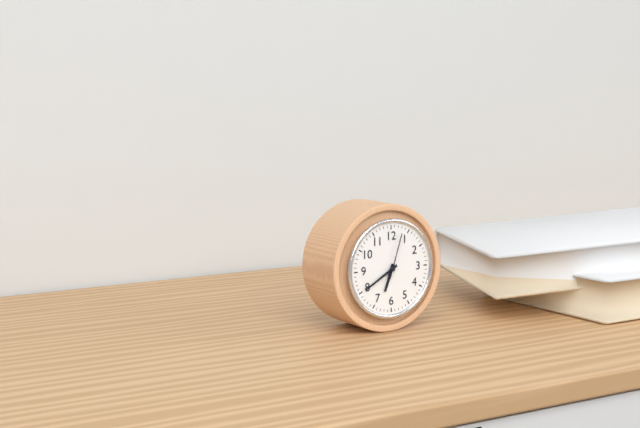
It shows 6h40
